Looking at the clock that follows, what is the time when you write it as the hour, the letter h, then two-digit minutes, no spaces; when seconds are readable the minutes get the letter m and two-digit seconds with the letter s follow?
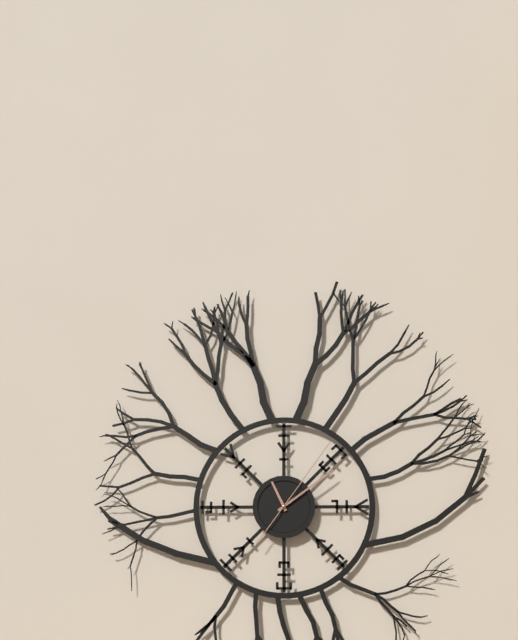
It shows 11h09m06s
